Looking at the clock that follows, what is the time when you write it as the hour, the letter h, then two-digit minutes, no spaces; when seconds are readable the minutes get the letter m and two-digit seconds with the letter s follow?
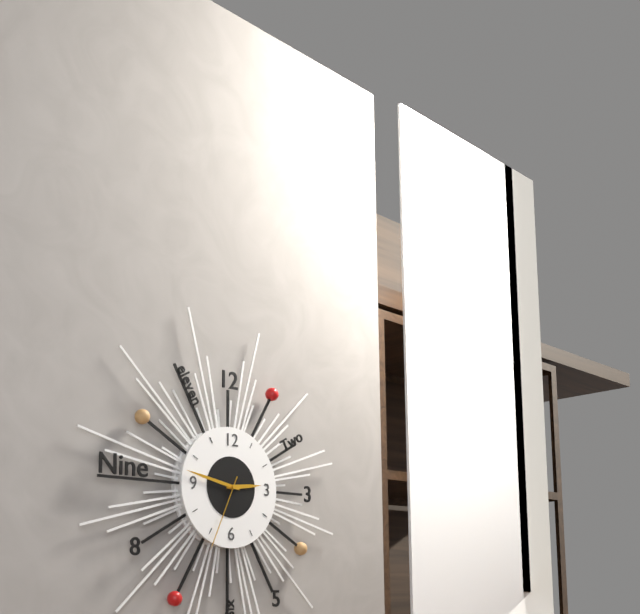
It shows 2h47m34s
